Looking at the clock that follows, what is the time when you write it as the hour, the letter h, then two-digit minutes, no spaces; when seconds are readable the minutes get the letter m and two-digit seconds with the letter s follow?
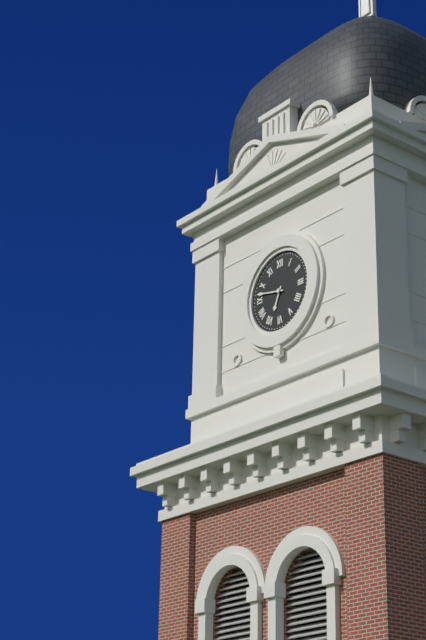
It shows 6h47
